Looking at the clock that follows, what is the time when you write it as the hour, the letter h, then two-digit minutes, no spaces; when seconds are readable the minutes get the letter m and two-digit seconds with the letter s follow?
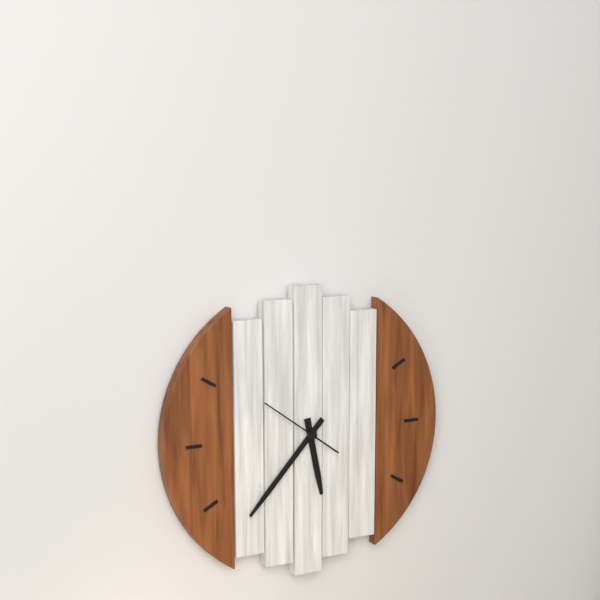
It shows 5h37m51s
